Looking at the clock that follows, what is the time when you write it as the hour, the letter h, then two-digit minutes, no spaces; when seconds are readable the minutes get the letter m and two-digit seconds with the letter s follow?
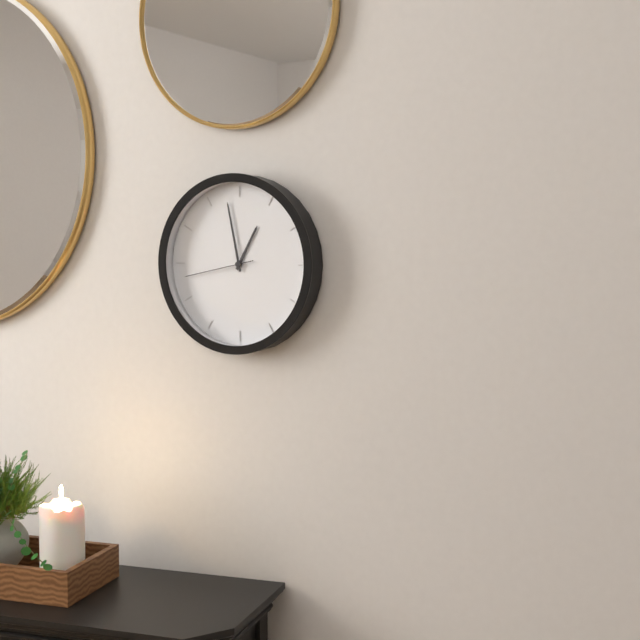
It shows 12h58m43s
